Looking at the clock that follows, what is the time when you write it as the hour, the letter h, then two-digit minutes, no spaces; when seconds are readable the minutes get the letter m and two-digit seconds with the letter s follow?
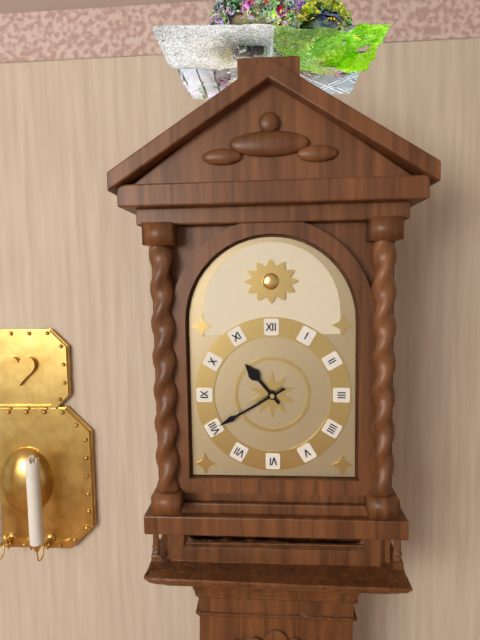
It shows 10h40
